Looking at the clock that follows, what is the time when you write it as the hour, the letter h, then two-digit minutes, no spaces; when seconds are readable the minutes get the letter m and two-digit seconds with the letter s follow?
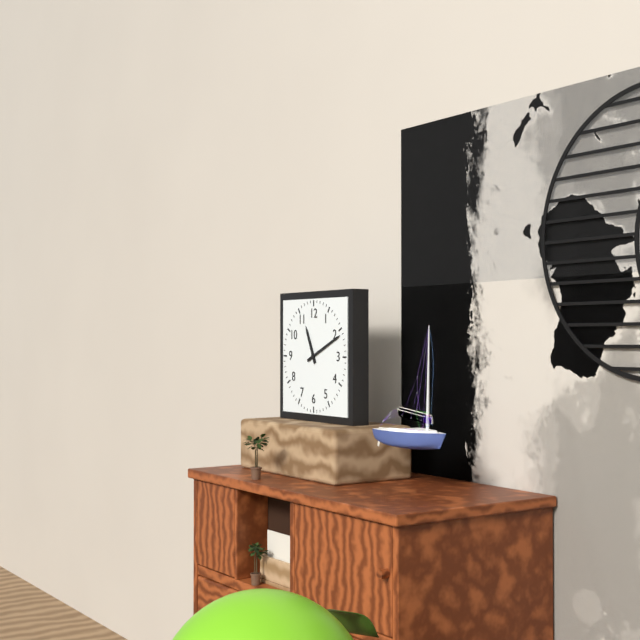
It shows 11h11
